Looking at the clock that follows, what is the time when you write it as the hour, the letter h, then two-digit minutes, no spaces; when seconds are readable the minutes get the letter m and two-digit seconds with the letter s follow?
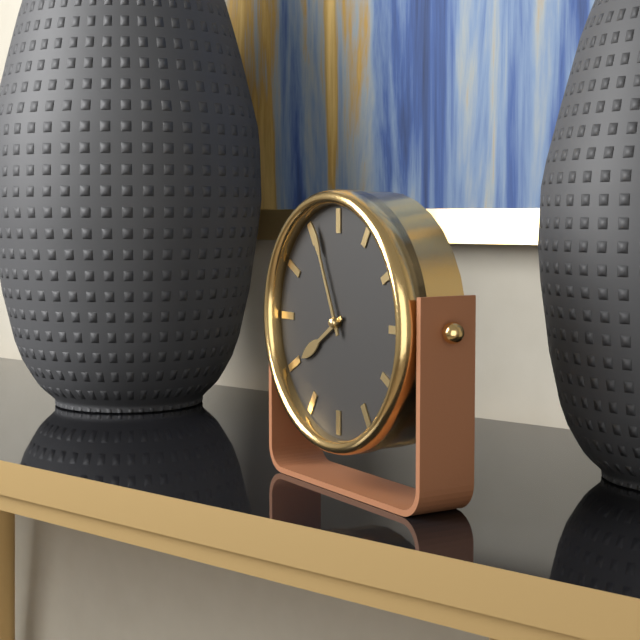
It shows 7h56
